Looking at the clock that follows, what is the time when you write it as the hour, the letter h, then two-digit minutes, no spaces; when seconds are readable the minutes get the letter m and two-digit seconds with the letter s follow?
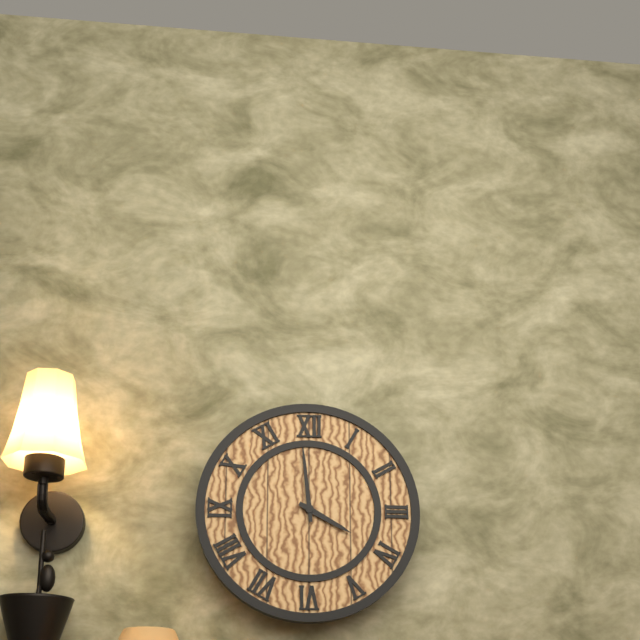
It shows 3h59
